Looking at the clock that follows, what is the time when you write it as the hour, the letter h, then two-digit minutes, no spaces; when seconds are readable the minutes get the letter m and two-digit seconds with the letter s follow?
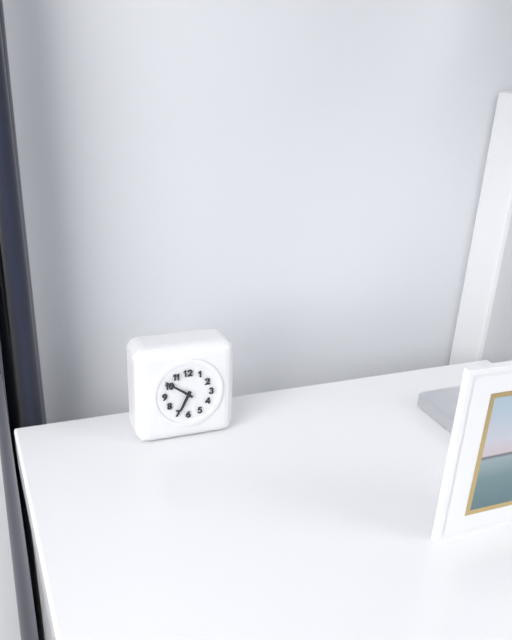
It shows 6h51
